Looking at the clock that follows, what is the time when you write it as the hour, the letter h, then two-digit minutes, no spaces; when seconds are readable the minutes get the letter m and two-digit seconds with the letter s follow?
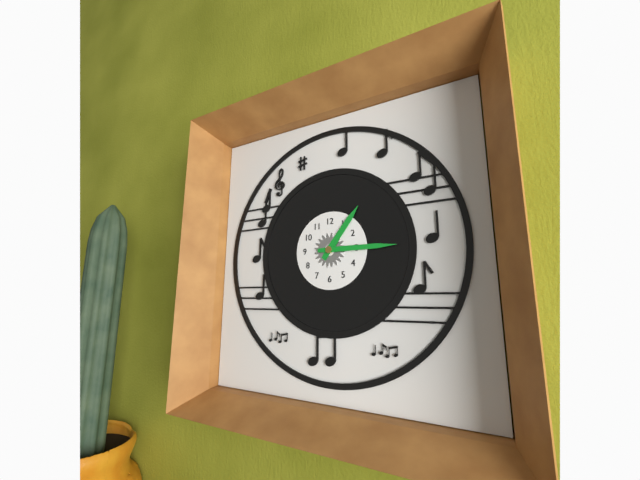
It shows 1h15
